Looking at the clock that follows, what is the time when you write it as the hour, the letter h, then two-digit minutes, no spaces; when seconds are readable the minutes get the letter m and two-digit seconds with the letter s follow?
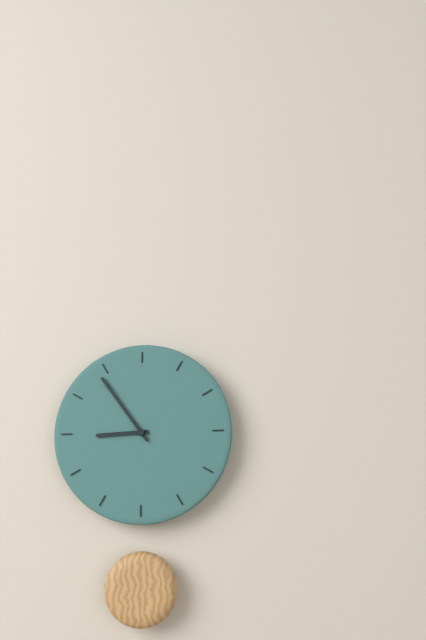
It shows 8h54
